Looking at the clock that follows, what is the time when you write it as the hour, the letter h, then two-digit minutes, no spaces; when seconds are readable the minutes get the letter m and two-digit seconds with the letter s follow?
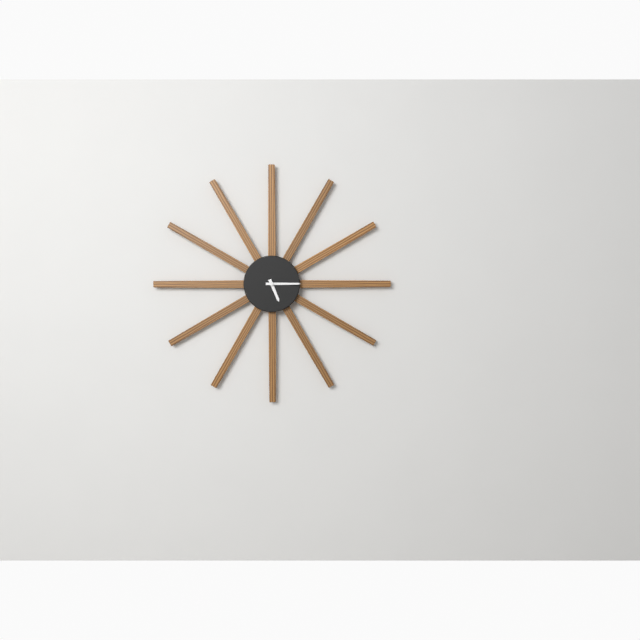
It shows 5h15
